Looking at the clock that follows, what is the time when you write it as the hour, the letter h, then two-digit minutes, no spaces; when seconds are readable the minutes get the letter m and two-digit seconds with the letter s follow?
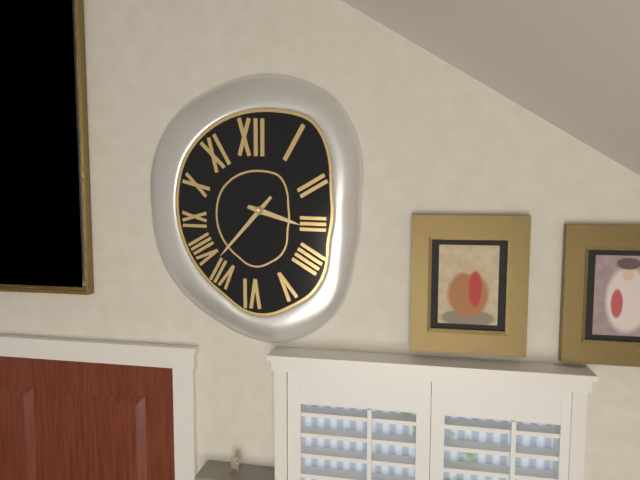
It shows 3h37
